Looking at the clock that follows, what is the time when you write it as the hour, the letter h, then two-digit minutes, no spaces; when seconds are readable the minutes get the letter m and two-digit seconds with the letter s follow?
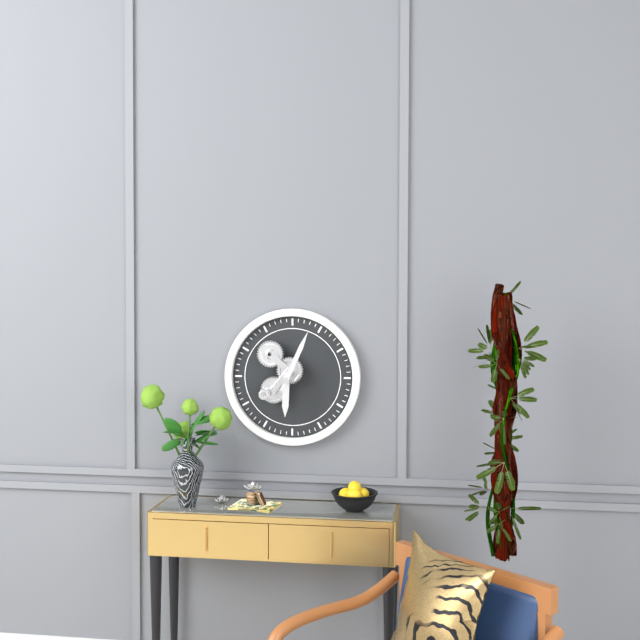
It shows 6h04
